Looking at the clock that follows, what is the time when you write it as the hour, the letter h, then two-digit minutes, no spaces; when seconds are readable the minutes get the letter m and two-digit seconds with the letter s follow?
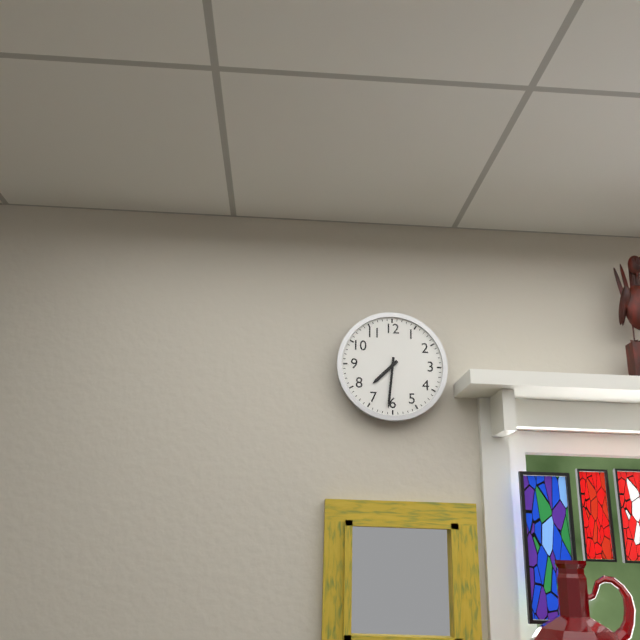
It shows 7h31
